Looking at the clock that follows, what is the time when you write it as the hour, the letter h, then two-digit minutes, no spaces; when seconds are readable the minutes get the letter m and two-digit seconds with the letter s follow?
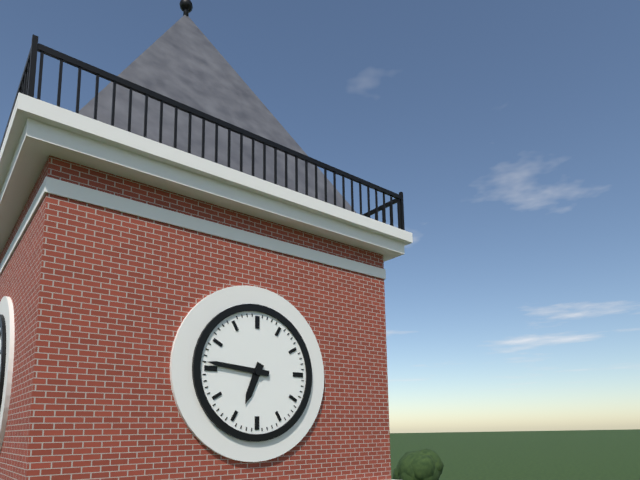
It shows 6h46
